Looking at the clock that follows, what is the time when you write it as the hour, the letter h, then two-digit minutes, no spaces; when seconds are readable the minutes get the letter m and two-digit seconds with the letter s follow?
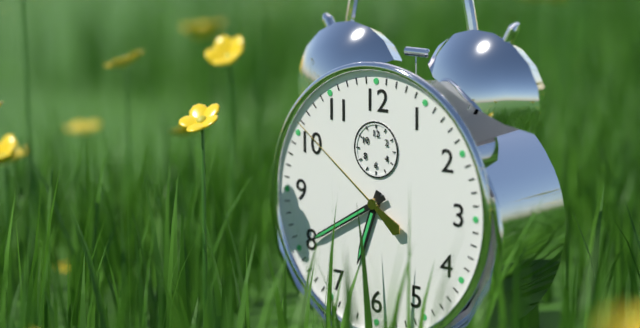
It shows 6h40m51s
